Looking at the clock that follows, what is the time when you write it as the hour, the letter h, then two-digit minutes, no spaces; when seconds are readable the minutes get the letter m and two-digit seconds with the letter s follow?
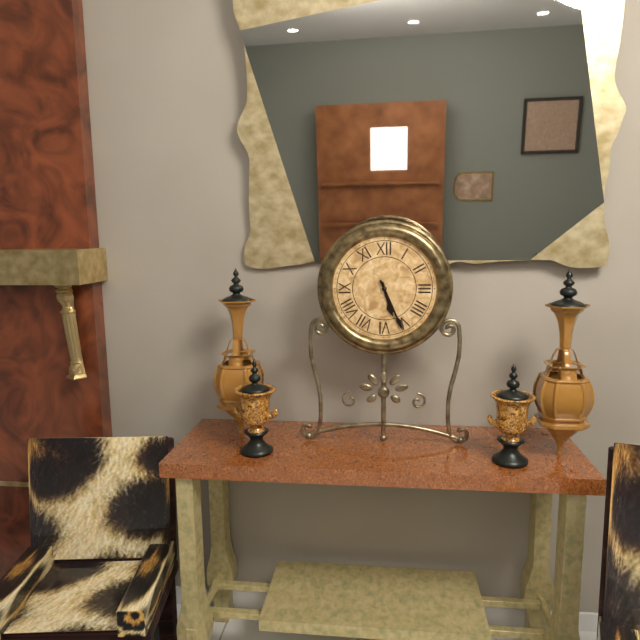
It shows 5h26
